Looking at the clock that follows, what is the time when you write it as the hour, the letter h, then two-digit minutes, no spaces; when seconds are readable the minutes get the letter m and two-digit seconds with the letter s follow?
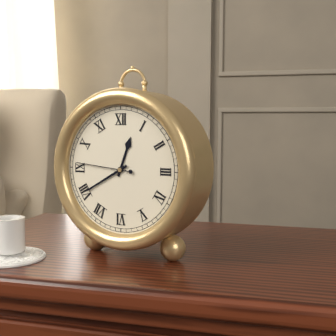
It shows 12h40m46s
